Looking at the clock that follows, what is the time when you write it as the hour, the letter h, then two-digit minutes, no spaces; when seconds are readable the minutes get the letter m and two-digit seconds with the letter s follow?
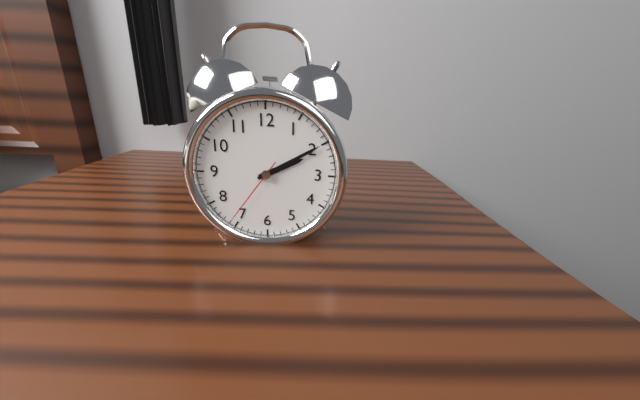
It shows 2h10m36s
